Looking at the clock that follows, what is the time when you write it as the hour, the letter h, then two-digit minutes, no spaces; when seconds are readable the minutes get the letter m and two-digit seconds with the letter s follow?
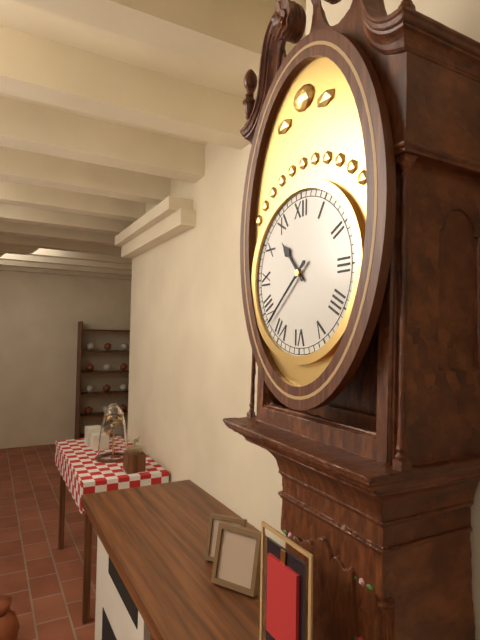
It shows 10h38
